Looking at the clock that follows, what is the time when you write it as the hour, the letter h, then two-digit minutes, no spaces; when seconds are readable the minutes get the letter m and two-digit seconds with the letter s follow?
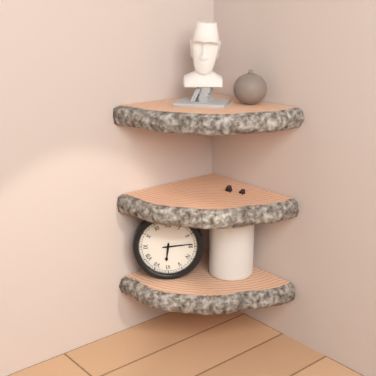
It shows 6h14
